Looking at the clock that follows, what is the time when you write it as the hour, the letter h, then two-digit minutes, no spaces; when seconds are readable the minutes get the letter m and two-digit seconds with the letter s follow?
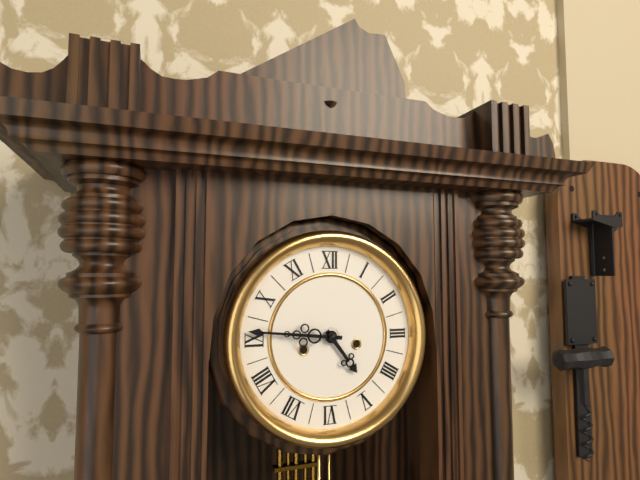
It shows 4h46
